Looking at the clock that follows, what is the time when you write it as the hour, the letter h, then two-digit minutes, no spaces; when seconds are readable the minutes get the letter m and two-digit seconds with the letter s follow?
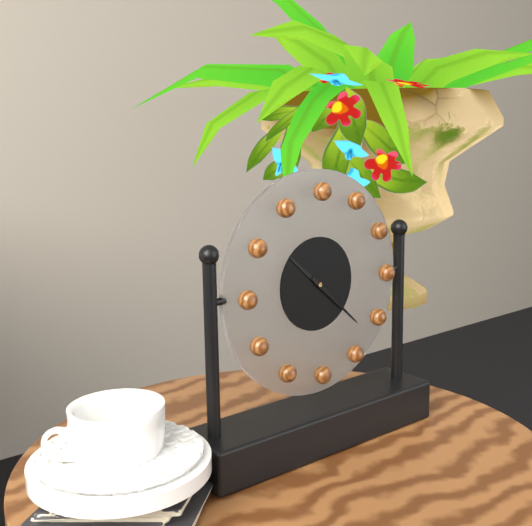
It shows 10h22
